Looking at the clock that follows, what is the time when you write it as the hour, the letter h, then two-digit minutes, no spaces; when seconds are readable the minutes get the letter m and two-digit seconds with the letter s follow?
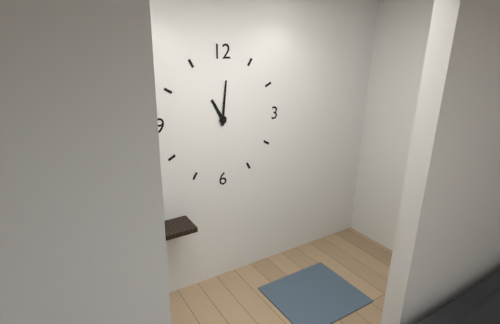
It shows 11h01
